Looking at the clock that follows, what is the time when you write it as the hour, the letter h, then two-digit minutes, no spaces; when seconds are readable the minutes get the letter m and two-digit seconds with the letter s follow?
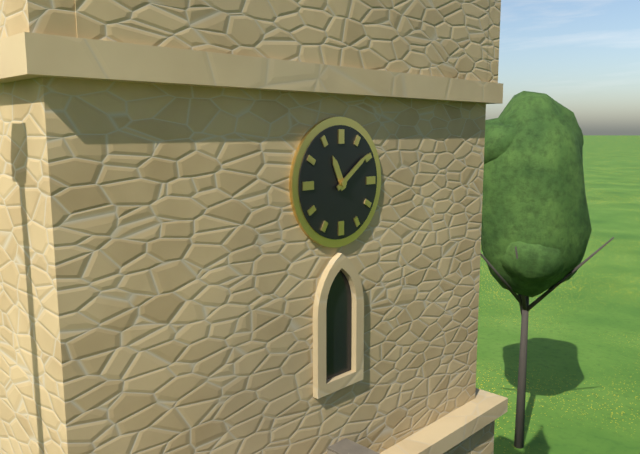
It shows 11h09
